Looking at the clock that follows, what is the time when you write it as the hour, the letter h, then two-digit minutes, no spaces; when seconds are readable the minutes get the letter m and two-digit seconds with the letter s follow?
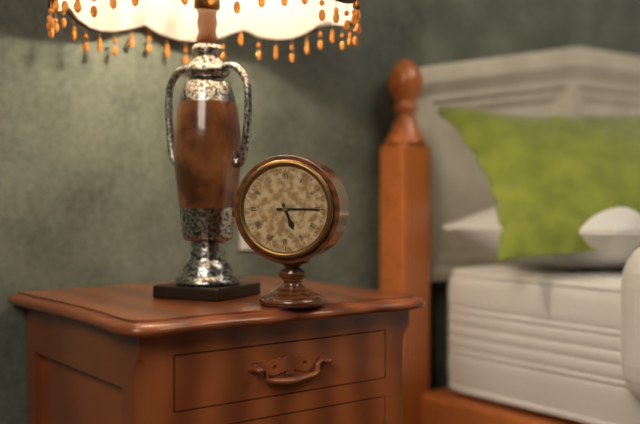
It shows 5h15
